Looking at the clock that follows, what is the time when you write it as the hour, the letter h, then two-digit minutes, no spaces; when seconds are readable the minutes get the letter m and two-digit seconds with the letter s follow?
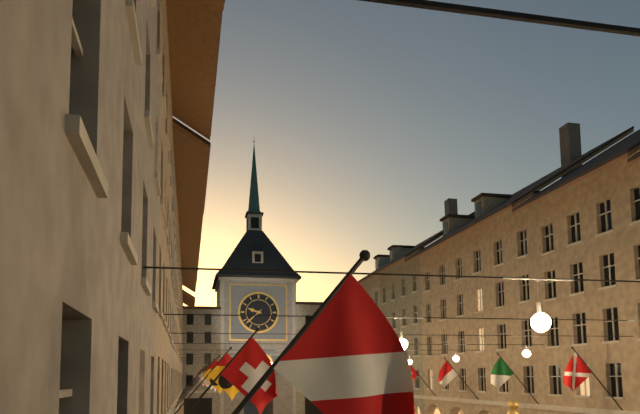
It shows 9h38
